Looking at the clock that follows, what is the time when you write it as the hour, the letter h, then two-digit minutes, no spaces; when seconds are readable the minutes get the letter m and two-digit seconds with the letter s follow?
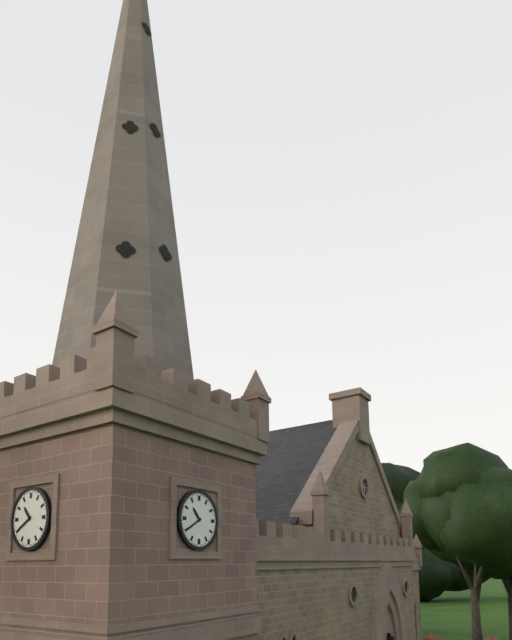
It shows 10h40
